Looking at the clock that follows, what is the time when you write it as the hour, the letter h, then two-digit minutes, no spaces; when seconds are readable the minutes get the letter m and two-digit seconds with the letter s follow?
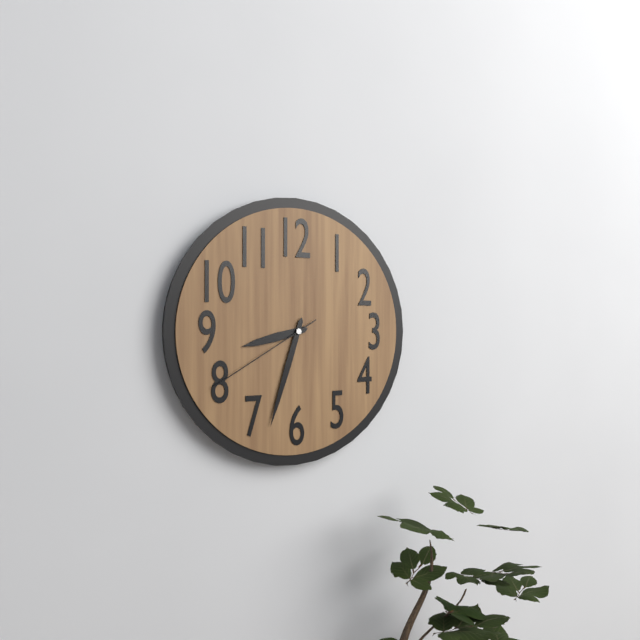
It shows 8h33m40s
